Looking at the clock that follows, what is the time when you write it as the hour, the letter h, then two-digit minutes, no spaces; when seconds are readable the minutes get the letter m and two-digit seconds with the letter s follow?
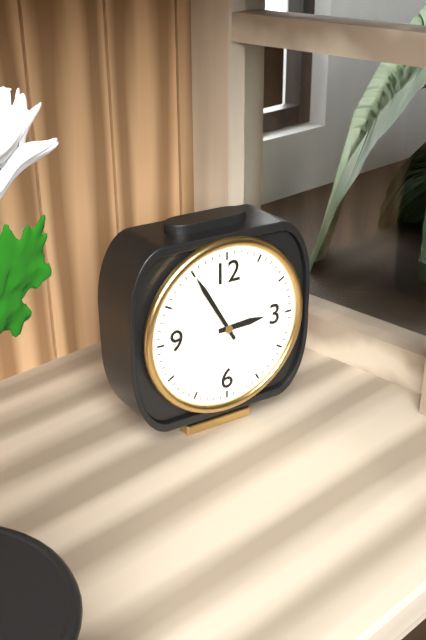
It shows 2h55
